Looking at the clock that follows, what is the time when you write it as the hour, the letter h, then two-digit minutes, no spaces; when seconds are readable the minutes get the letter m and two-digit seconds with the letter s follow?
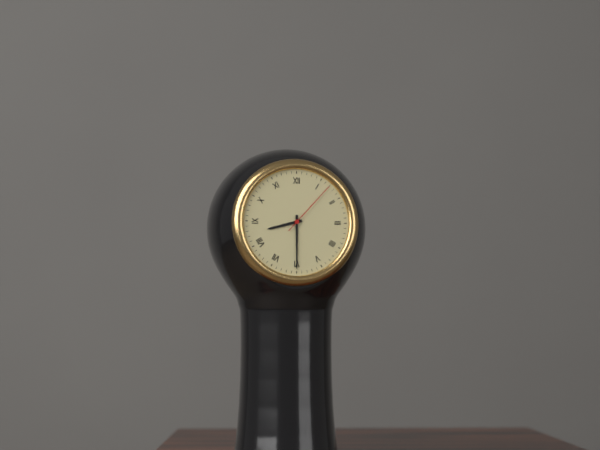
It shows 8h30m07s
